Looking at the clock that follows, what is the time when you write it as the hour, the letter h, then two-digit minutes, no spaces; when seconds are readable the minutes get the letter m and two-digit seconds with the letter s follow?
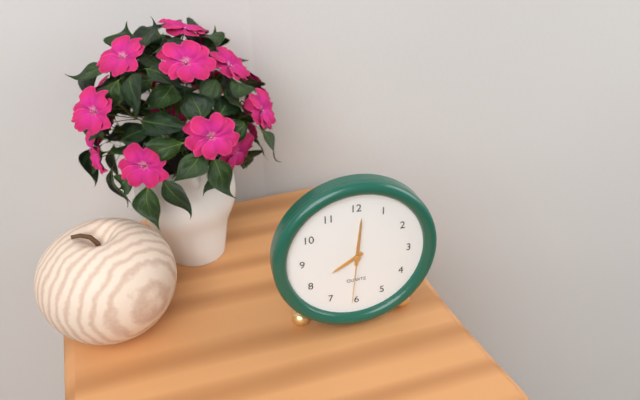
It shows 8h01m31s
